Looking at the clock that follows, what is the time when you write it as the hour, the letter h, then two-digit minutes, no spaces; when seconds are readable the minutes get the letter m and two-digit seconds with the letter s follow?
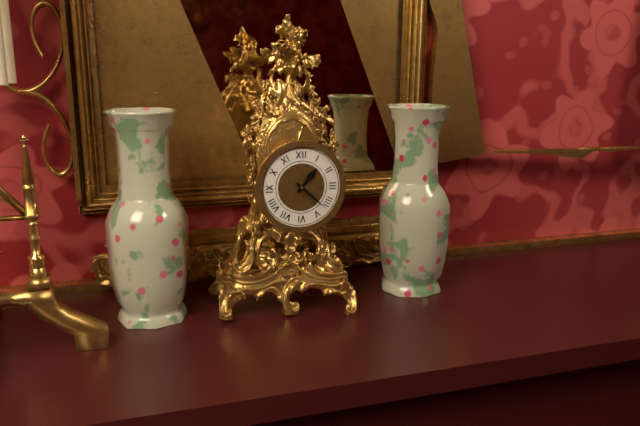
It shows 1h22
